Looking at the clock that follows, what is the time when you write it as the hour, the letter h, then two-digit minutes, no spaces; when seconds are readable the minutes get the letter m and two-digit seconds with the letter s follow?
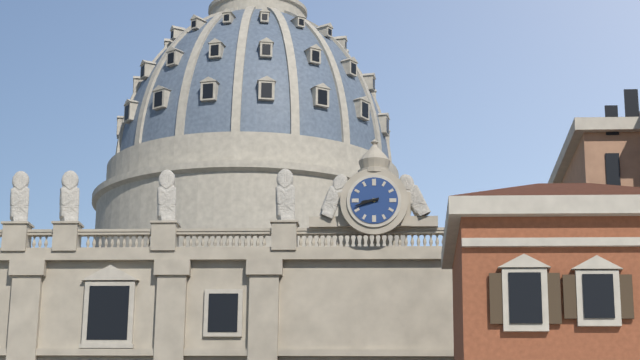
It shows 8h42
